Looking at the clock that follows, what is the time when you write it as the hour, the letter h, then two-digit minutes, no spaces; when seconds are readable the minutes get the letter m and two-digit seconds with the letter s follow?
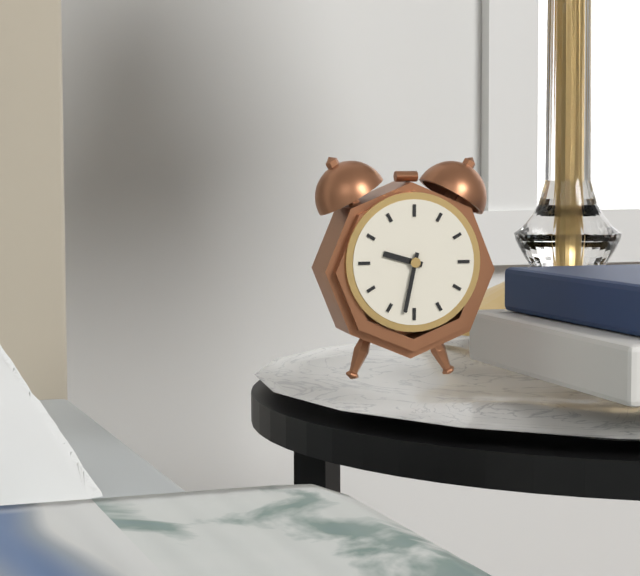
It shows 9h32
